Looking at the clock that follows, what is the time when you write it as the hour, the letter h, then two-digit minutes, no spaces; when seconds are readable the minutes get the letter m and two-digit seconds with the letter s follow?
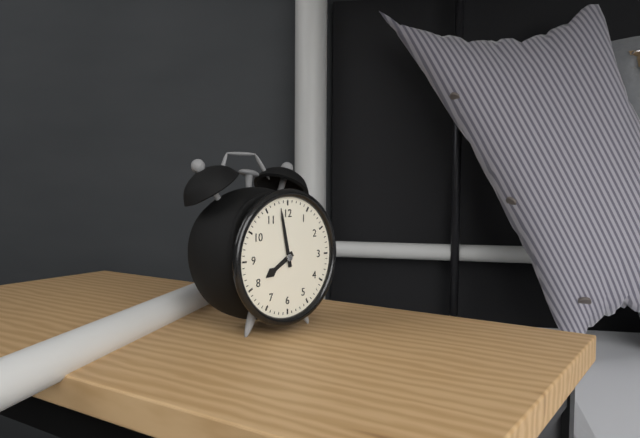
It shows 7h58
